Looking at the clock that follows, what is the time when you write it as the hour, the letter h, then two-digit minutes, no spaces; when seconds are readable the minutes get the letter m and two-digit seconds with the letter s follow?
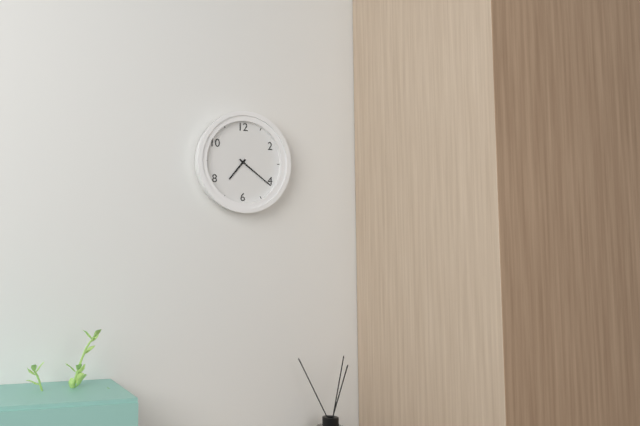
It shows 7h21
